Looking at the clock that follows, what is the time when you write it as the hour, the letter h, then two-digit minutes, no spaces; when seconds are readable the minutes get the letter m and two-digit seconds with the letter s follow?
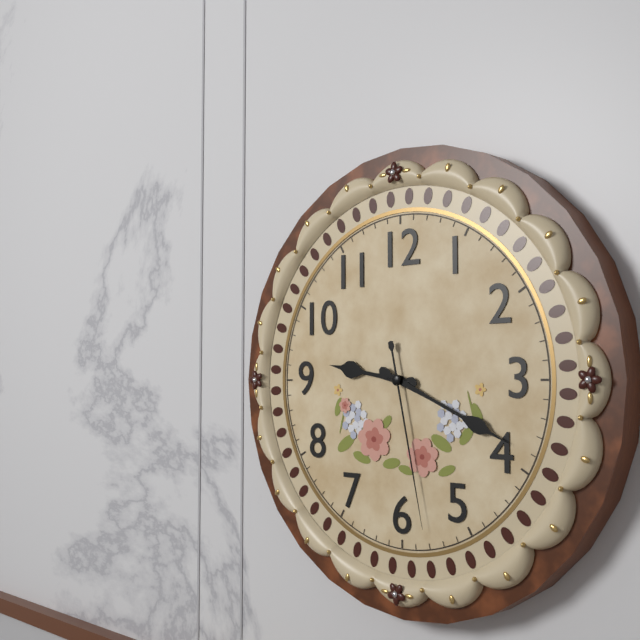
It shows 9h19m28s
